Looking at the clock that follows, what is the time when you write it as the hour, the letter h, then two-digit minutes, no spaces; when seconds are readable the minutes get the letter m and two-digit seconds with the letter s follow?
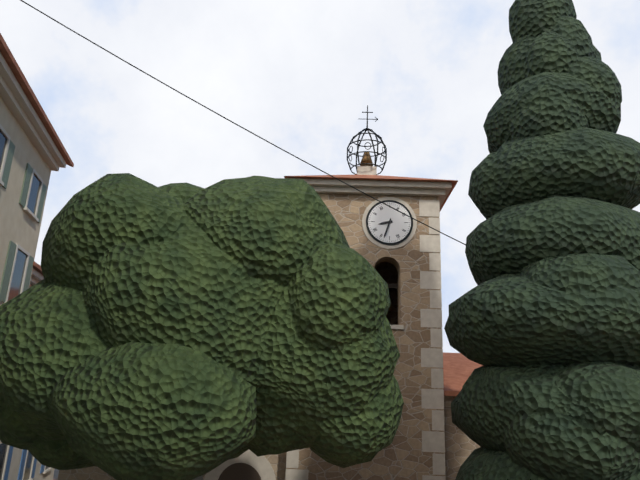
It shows 8h33
